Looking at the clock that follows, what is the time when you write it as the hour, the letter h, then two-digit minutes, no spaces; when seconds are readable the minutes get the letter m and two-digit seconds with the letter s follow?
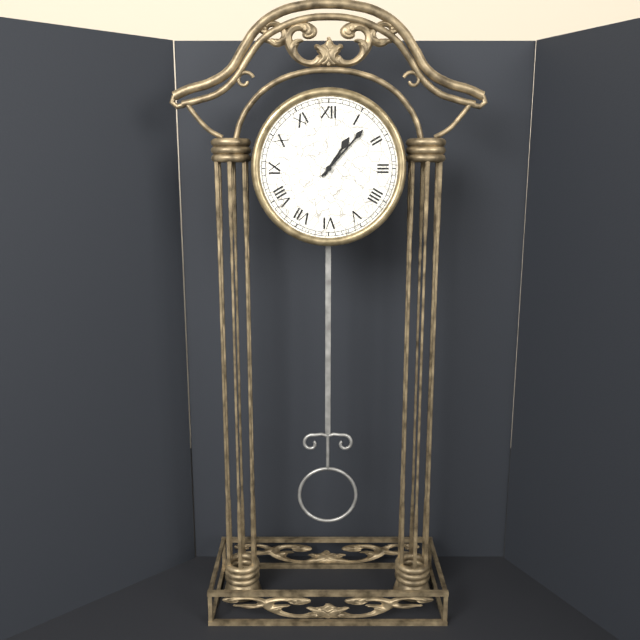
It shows 1h07
